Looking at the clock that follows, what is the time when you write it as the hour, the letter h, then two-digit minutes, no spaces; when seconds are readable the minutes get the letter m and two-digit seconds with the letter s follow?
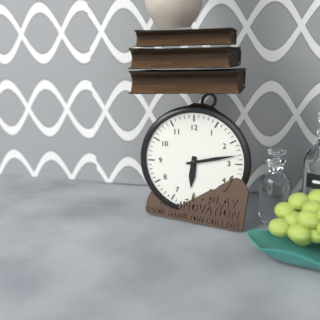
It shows 6h13
